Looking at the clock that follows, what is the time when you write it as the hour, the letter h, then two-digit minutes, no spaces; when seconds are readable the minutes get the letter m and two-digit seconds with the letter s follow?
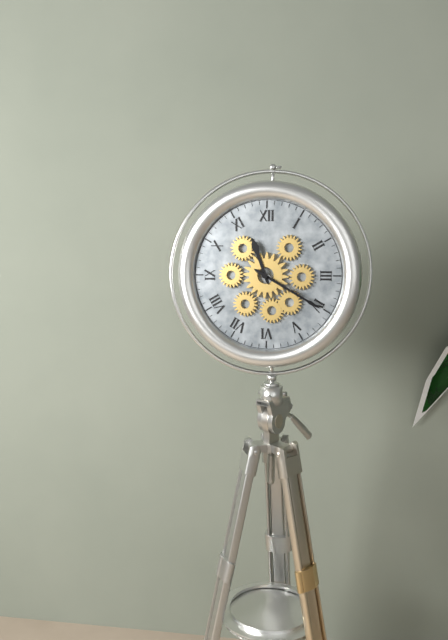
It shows 11h20
